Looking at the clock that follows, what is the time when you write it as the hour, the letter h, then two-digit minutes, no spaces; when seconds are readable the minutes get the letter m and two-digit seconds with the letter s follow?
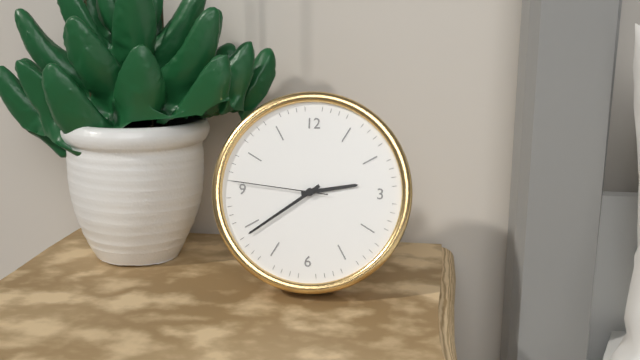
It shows 2h39m46s
